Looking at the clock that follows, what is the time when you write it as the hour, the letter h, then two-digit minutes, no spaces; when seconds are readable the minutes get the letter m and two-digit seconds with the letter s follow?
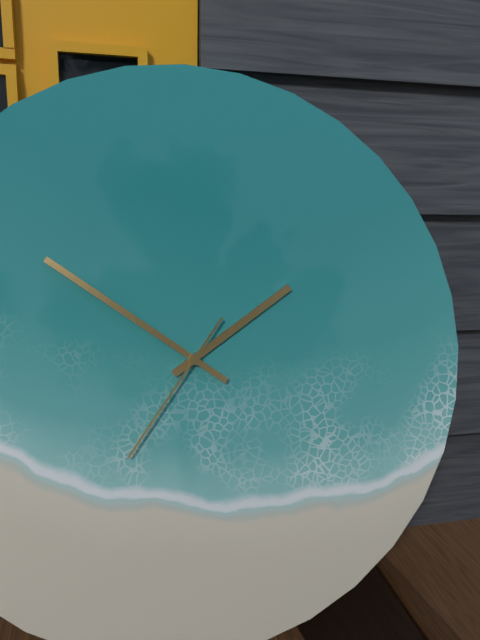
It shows 1h51m36s
